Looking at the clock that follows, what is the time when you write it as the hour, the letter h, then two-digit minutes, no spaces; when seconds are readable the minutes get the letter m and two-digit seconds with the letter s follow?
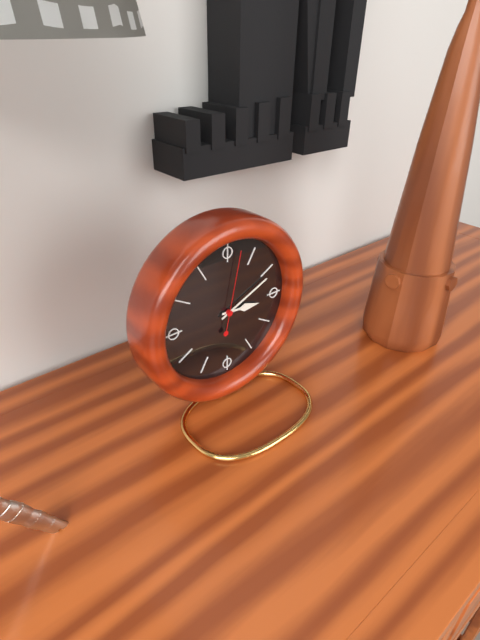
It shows 3h11m02s
